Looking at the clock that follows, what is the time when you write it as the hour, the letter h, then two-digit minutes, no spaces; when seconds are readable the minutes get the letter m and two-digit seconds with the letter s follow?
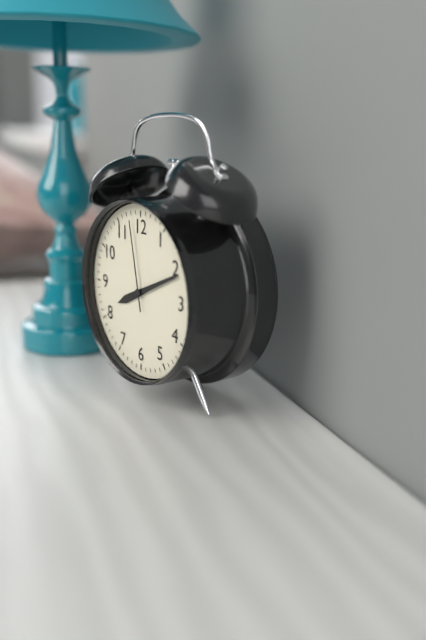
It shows 8h11m58s
